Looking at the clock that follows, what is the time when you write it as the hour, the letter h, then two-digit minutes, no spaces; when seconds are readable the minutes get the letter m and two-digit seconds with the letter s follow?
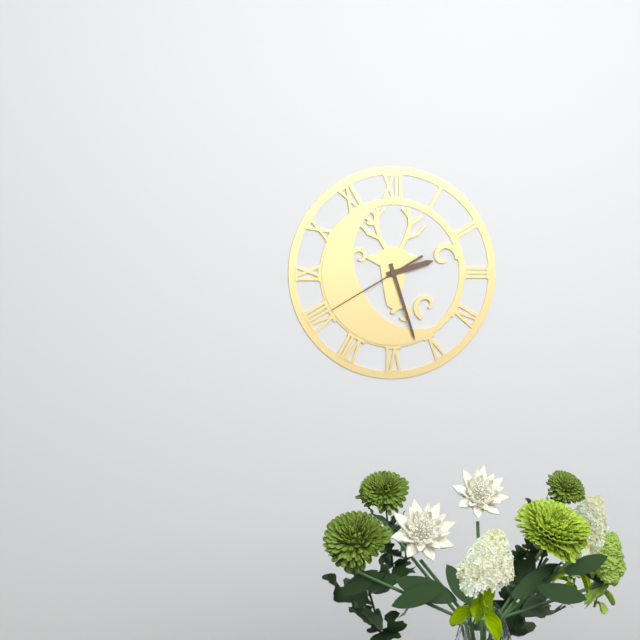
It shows 2h27m40s
